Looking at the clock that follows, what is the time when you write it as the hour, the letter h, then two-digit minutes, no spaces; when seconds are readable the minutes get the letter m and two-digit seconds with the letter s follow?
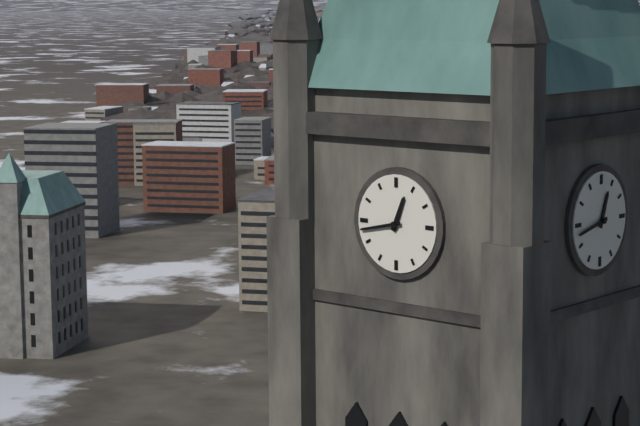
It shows 12h43
